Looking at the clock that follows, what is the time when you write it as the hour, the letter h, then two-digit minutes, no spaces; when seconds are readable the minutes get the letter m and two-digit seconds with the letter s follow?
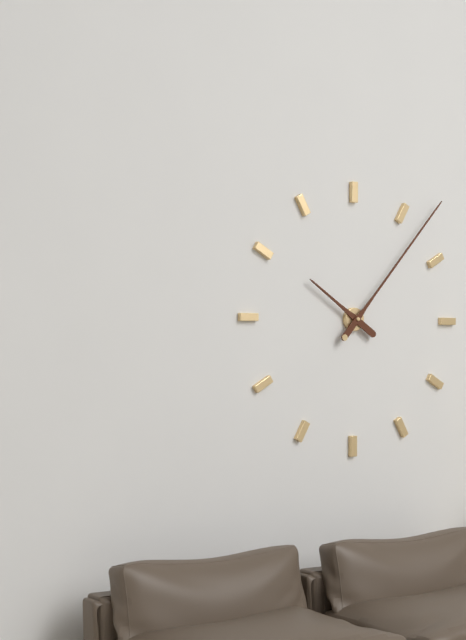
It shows 10h07
